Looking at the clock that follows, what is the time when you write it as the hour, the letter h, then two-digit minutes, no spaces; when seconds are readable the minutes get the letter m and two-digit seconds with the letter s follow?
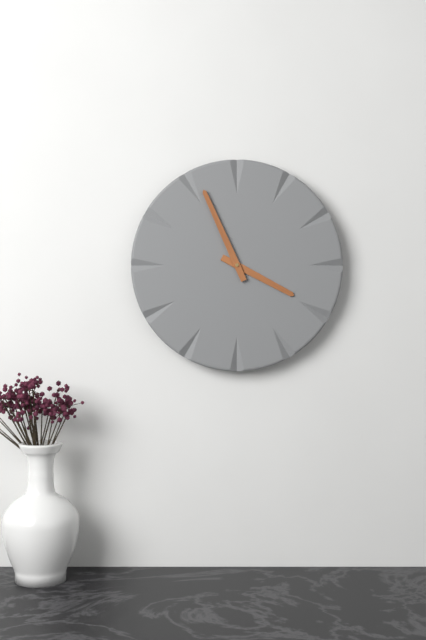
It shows 3h56
